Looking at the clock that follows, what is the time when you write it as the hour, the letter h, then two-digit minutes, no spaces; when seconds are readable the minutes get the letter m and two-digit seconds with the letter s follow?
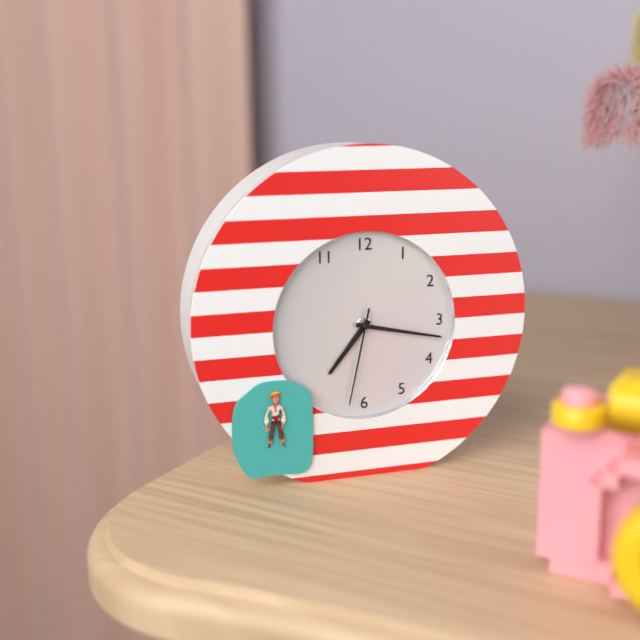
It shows 7h17m32s
